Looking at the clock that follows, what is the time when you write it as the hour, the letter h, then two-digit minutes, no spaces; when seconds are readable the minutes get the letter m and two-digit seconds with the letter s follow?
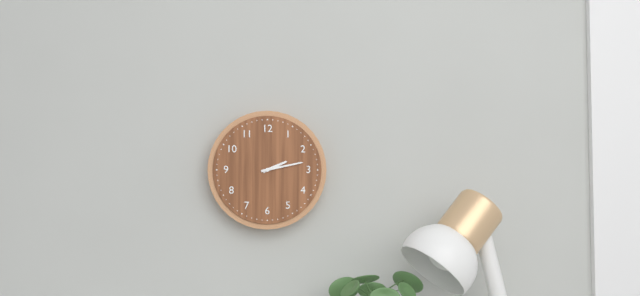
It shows 2h13
